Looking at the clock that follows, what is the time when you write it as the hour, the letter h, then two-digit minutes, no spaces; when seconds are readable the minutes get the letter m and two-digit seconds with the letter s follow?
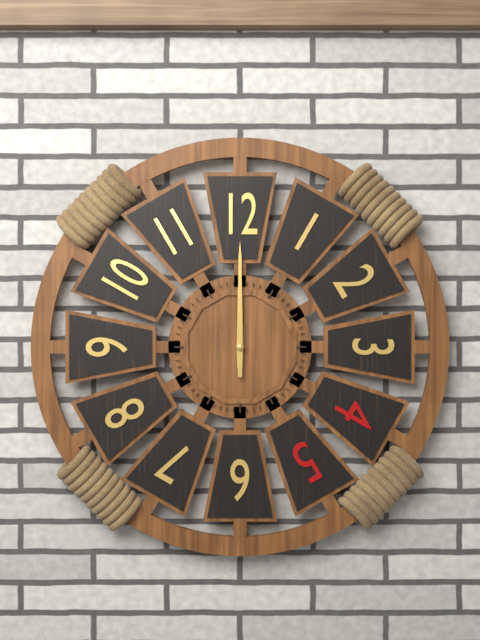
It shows 12h00
